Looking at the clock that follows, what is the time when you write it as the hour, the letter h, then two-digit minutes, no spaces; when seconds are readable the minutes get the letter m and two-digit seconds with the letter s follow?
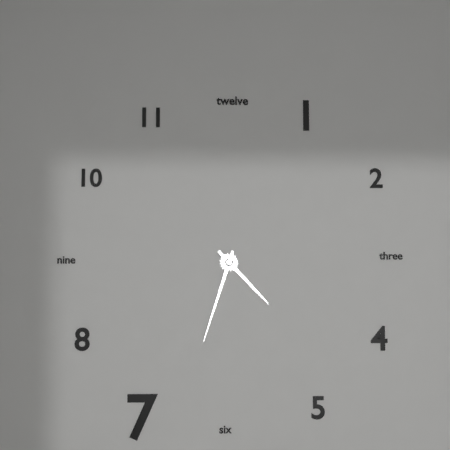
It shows 4h33
